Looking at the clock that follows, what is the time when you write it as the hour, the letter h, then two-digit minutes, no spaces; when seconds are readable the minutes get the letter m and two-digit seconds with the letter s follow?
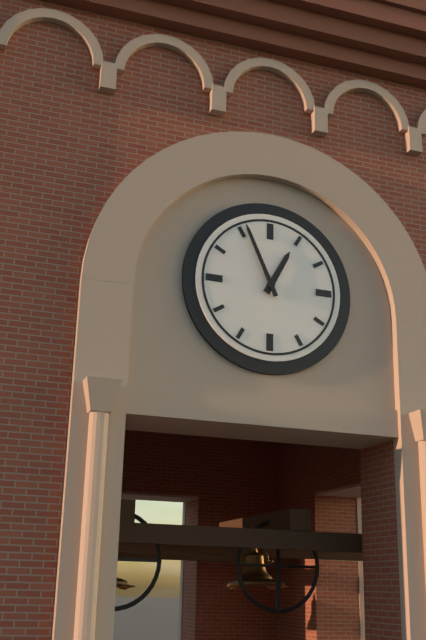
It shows 12h56
